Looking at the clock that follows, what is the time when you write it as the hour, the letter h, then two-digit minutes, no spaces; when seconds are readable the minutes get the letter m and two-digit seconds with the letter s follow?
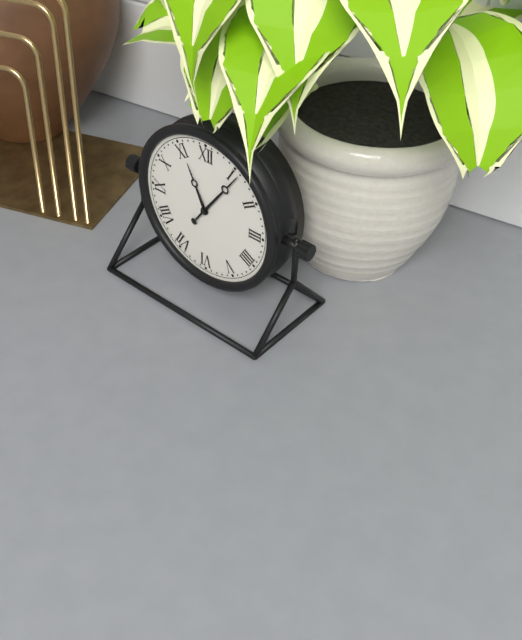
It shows 11h06
